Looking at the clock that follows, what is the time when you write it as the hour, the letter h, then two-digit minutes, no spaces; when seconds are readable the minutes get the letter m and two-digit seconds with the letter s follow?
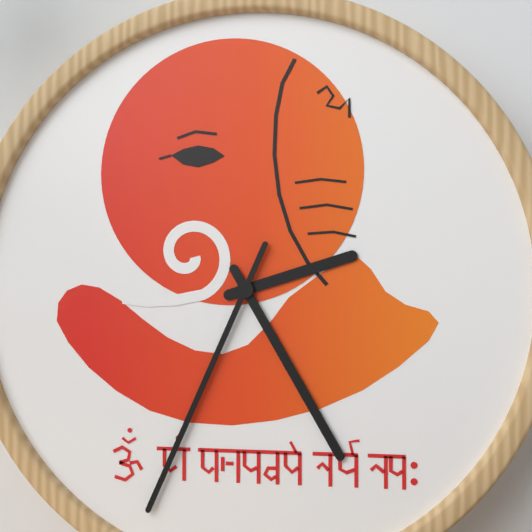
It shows 2h25m34s
